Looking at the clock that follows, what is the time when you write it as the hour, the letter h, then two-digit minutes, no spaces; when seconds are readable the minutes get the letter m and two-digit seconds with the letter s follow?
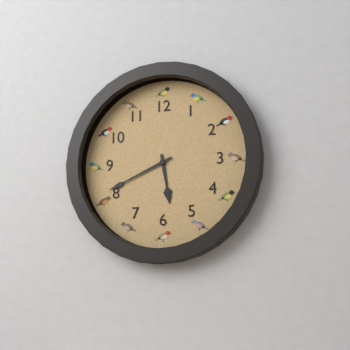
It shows 5h41
